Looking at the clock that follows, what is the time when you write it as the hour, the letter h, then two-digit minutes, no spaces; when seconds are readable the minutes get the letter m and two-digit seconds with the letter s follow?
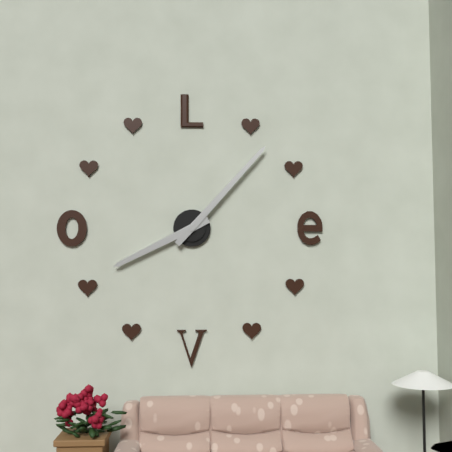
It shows 8h07
